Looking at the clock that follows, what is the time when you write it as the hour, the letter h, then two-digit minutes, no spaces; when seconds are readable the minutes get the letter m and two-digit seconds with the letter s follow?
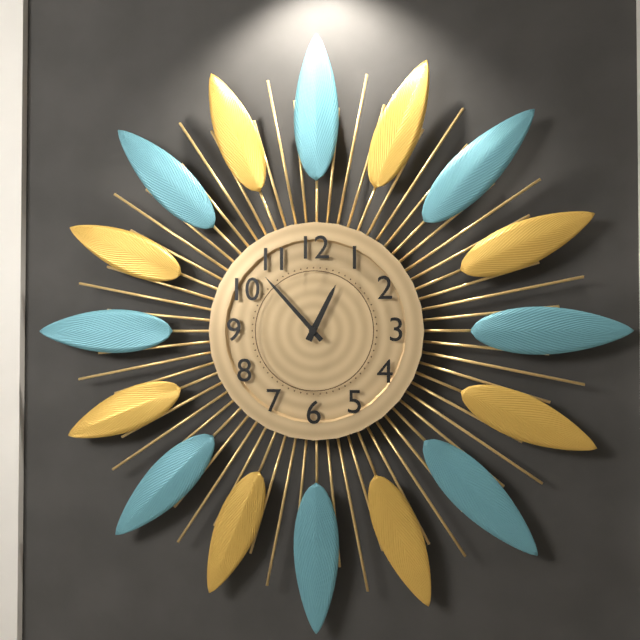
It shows 12h53
